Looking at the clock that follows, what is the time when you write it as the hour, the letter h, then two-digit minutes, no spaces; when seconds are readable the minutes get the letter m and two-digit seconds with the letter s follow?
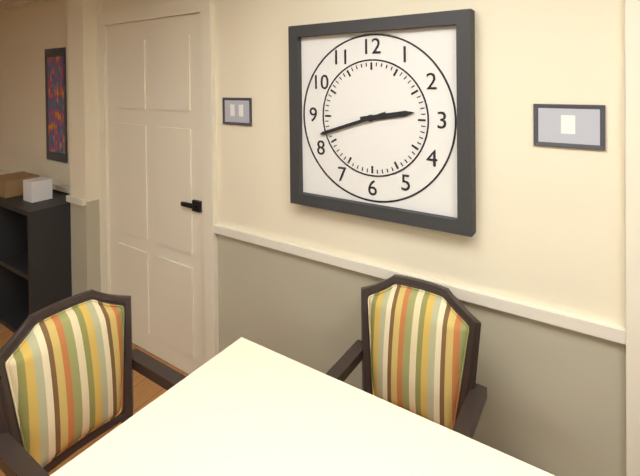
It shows 2h42
